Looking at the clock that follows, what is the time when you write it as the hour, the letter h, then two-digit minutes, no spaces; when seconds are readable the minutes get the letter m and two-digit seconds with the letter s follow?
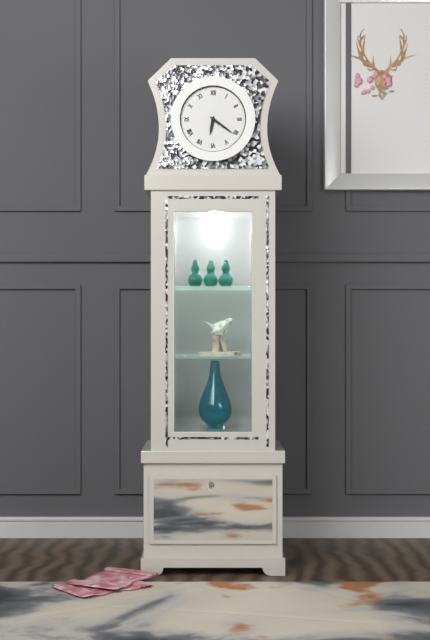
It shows 6h21
